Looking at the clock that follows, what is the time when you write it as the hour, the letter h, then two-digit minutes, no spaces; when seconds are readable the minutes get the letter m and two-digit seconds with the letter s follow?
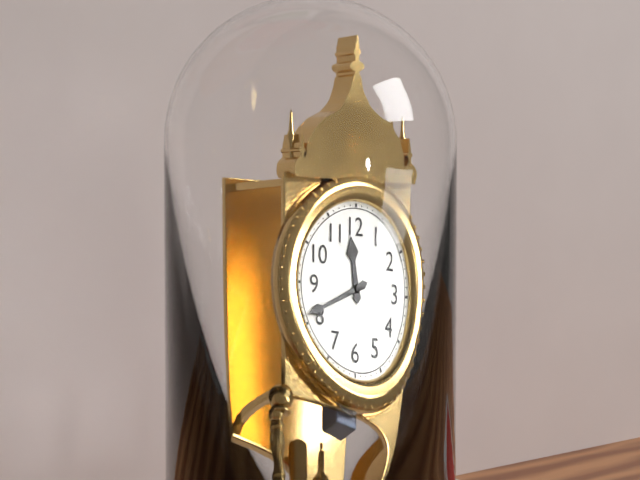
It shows 11h41
